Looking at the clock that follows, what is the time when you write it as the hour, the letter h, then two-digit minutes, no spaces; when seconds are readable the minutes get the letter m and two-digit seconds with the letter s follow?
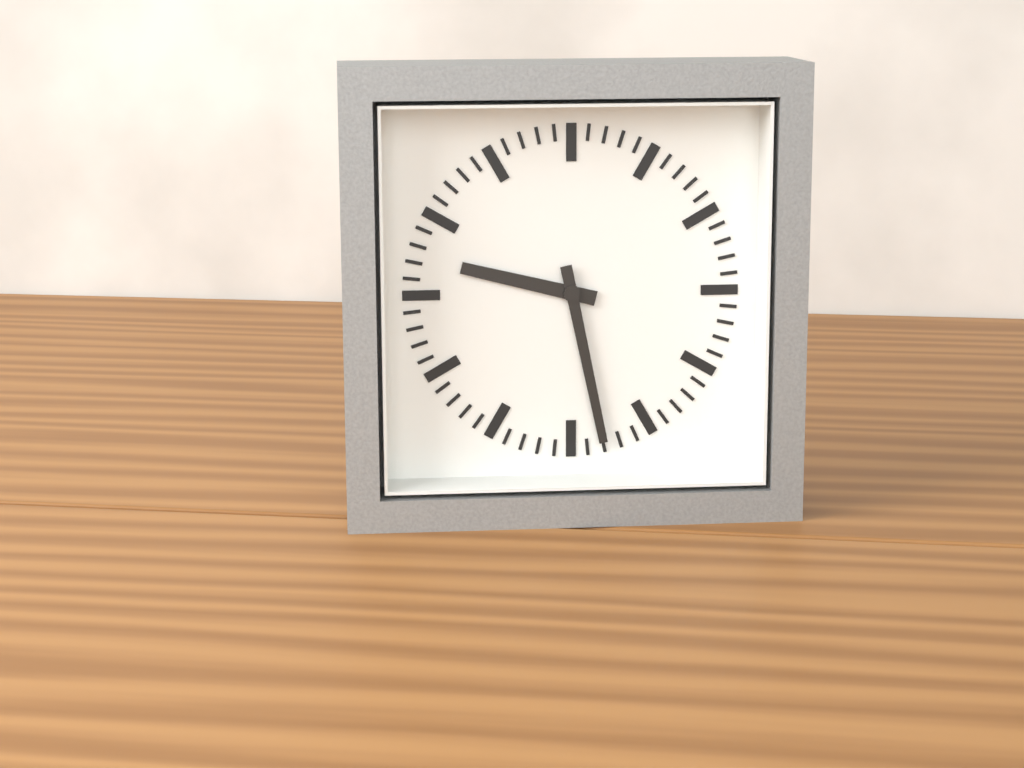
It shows 9h28
